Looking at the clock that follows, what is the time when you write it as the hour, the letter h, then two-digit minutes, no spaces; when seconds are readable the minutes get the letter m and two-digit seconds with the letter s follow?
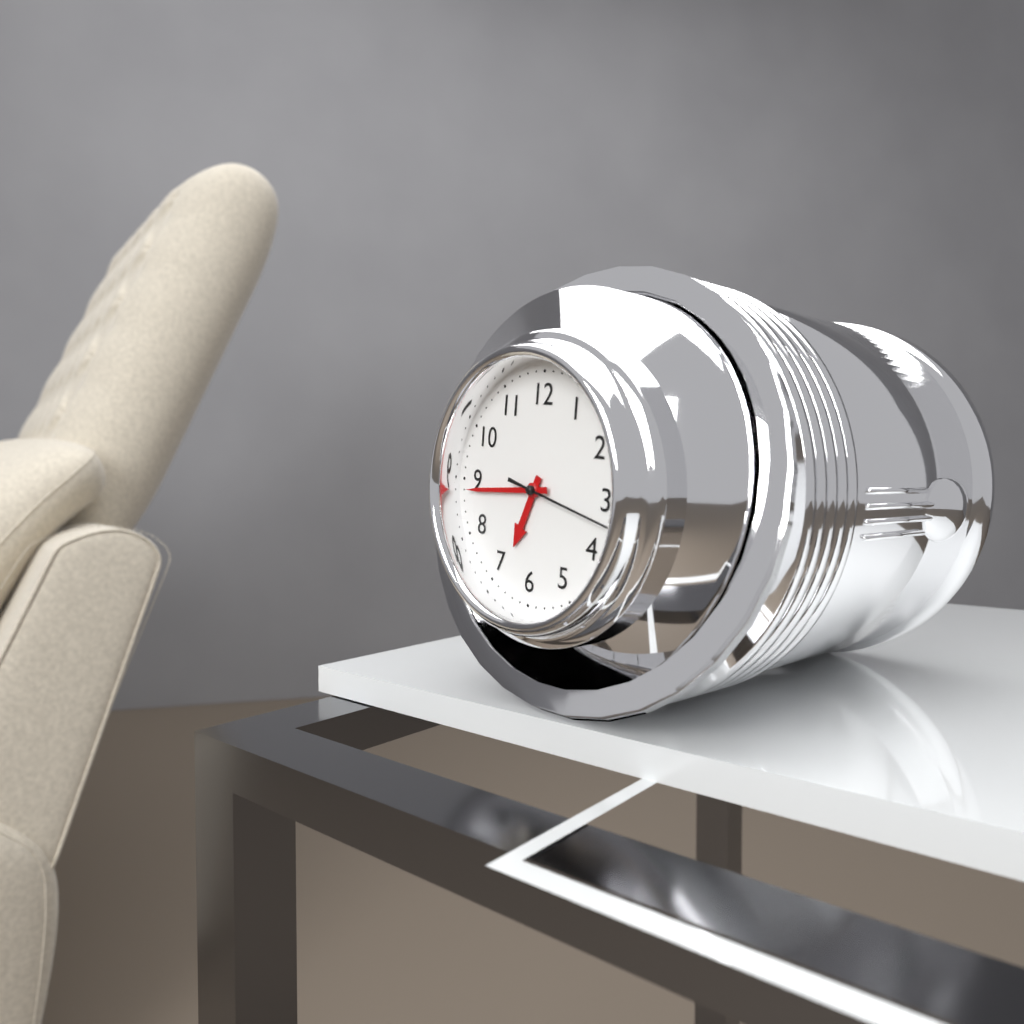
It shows 6h44m17s
